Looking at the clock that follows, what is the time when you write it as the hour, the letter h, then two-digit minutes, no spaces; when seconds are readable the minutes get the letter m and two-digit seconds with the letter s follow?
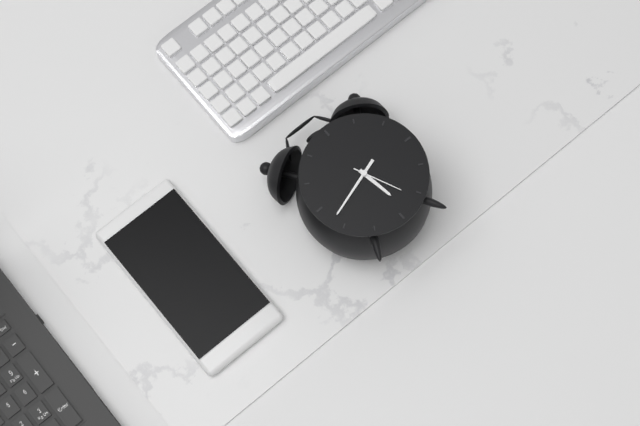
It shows 5h42m26s
